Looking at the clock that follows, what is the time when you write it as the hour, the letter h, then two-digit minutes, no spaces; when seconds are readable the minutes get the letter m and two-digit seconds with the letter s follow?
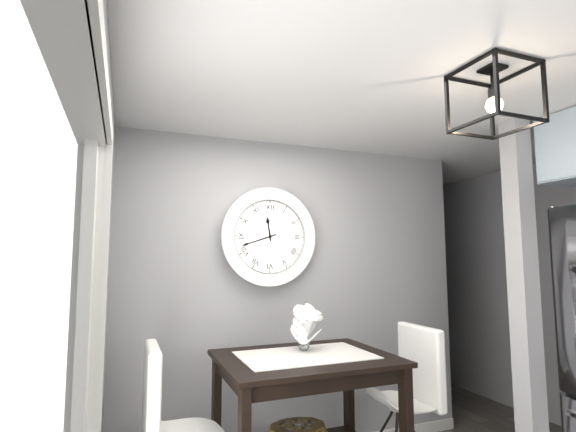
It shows 11h42
